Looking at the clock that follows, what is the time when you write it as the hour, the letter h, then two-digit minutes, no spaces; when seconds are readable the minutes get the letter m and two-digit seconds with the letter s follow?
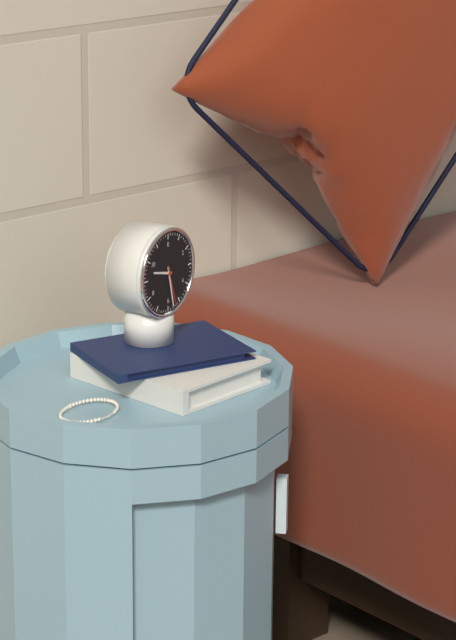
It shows 9h28
